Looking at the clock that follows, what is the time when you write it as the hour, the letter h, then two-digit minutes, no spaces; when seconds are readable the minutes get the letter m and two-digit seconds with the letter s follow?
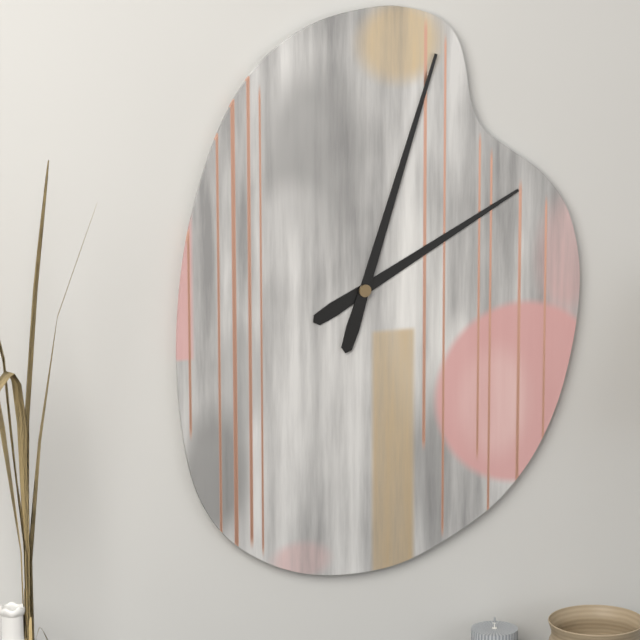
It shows 2h03
